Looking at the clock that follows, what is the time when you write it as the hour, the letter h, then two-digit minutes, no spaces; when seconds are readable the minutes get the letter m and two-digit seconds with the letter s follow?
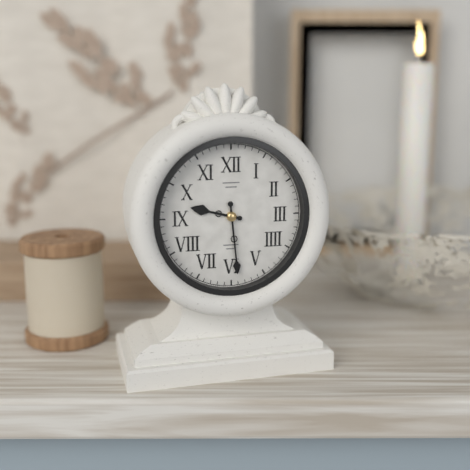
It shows 9h29
